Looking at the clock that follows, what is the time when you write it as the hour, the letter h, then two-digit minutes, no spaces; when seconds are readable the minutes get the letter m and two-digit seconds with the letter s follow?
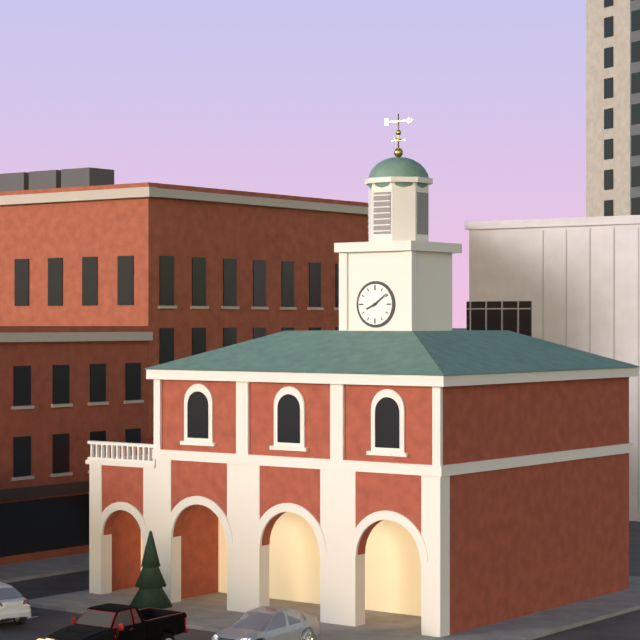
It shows 8h09
